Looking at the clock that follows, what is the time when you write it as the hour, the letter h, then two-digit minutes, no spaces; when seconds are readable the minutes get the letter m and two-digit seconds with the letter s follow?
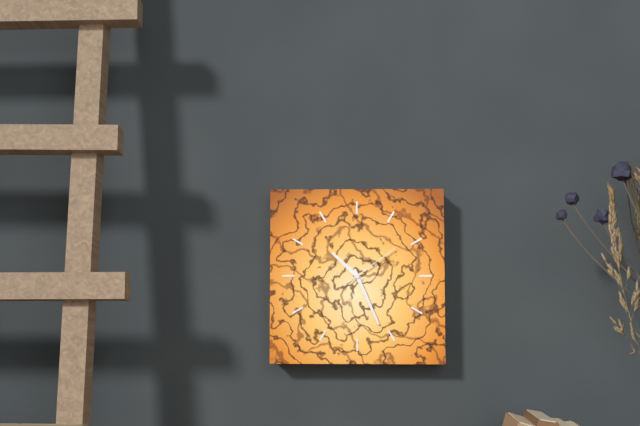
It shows 10h26m09s
